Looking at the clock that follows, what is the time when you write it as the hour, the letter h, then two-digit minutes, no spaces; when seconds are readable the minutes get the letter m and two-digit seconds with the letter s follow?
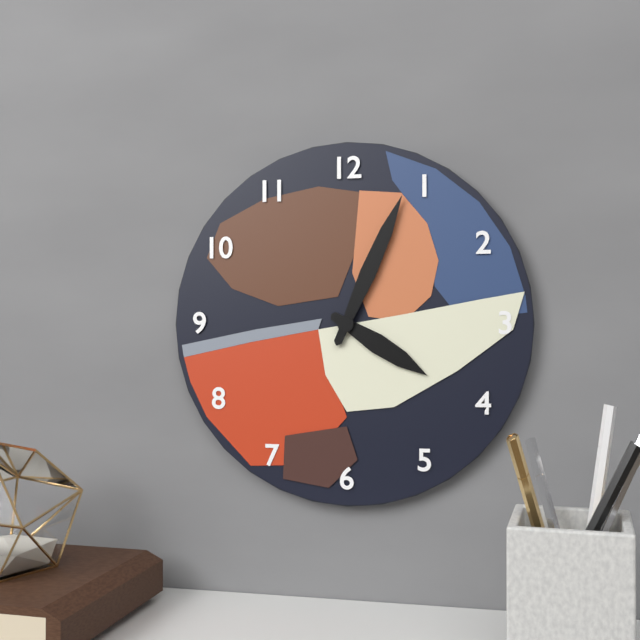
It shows 4h04
